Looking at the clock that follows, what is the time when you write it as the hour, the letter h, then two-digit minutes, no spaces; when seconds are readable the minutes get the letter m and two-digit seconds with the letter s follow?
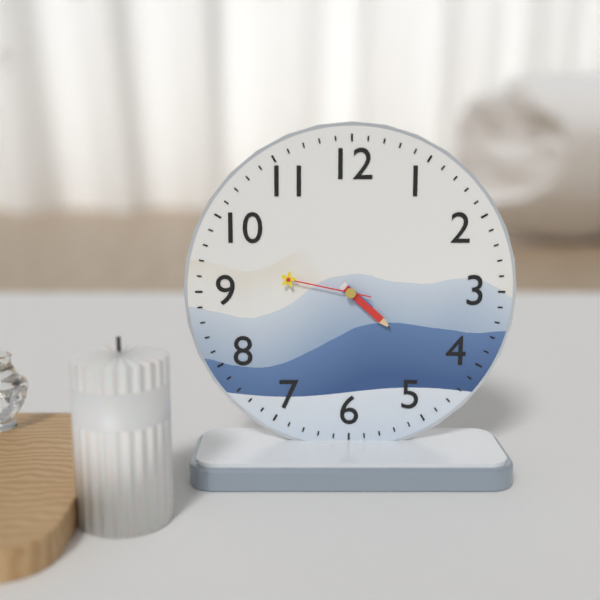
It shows 4h22m47s
